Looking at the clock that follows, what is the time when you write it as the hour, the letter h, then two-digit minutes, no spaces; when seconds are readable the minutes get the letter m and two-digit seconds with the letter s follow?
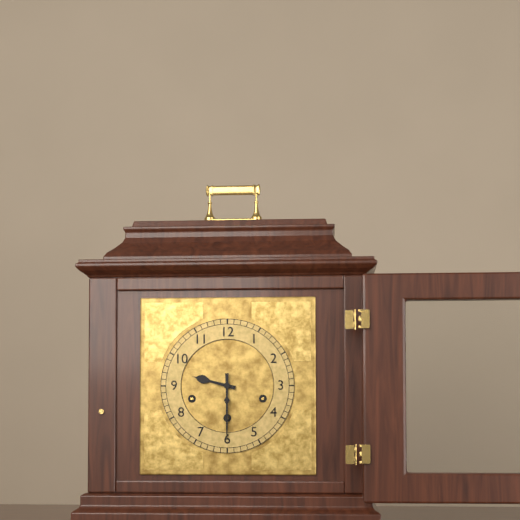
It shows 9h30
